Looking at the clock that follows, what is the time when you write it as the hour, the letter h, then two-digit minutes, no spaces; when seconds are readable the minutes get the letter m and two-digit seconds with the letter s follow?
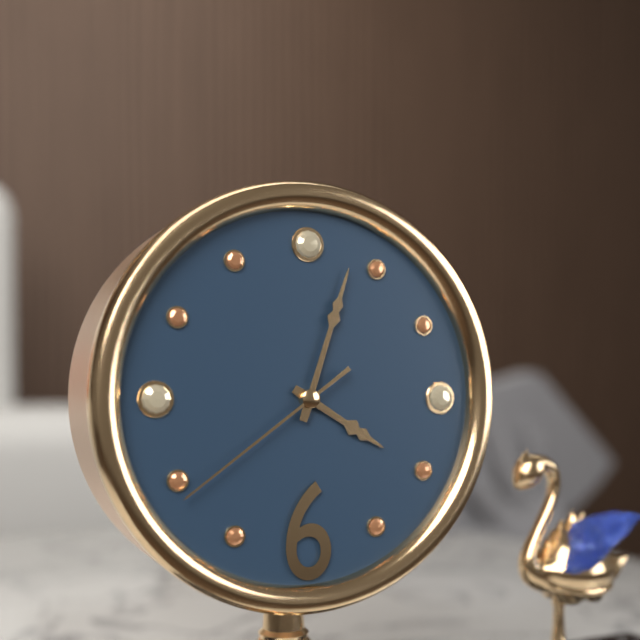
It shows 4h03m39s
